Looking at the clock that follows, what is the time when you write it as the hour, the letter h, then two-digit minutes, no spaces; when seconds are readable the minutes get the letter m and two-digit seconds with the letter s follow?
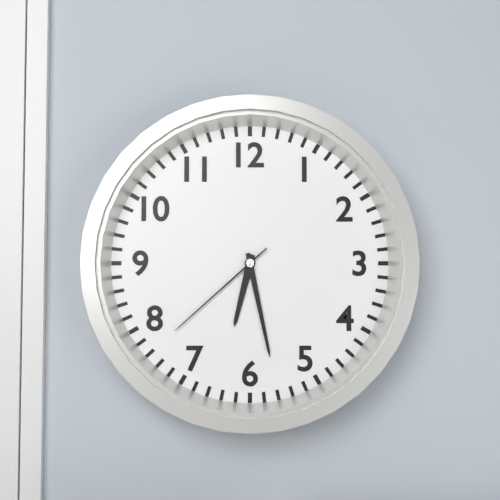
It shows 6h28m38s
